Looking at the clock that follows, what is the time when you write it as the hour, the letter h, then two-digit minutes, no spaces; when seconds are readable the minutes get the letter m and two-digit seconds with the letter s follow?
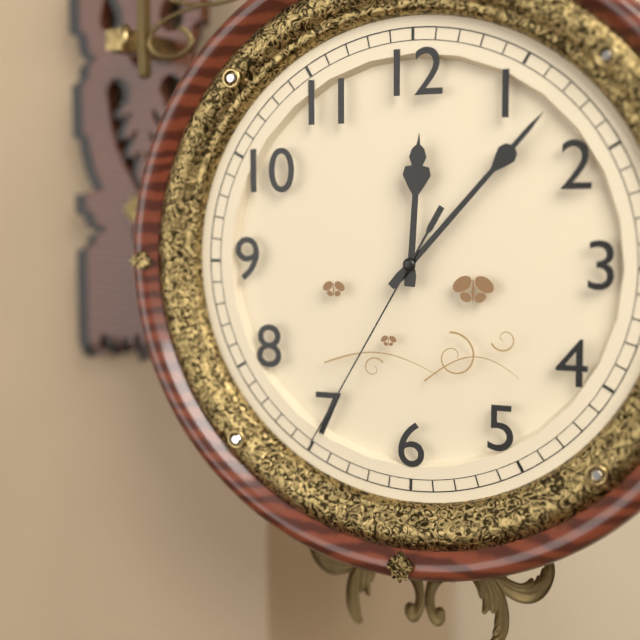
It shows 12h07m35s
